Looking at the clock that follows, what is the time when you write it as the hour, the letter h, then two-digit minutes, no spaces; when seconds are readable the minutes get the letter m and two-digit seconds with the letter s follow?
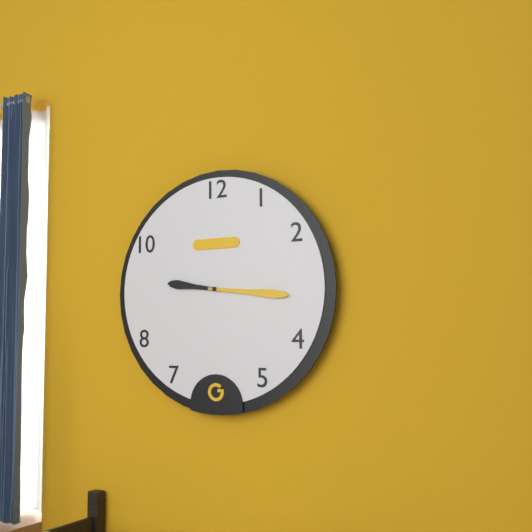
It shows 9h16
